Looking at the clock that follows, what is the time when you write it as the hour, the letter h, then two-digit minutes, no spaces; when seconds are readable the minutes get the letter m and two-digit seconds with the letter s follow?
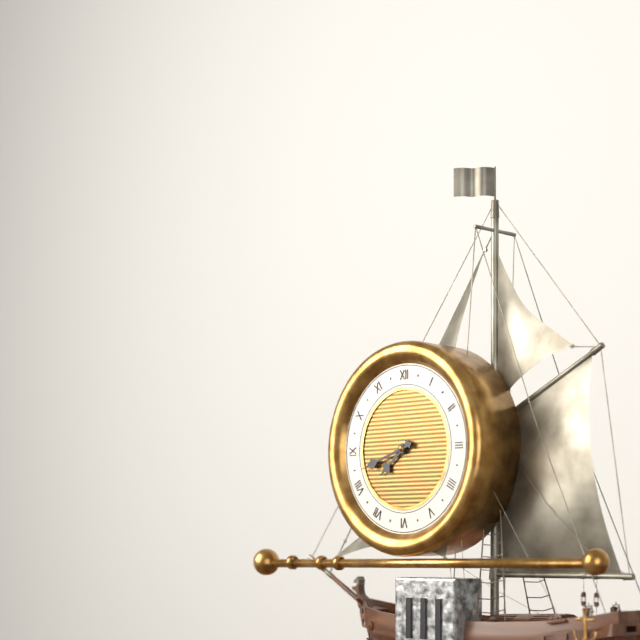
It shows 7h42
